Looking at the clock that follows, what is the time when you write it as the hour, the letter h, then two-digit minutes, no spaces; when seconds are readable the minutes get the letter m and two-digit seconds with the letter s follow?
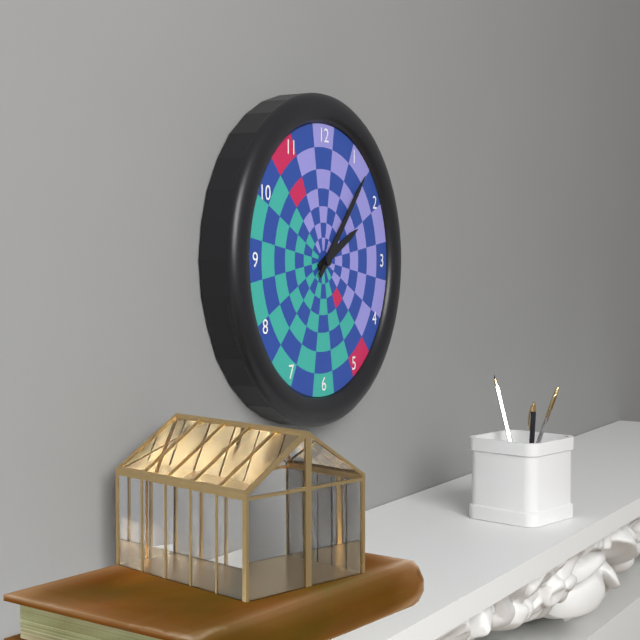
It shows 2h07
